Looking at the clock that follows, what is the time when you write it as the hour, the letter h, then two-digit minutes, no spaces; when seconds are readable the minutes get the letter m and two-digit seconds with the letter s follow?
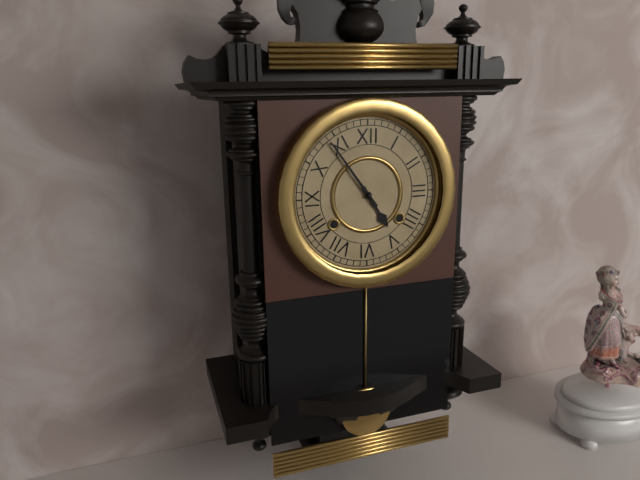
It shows 4h54
